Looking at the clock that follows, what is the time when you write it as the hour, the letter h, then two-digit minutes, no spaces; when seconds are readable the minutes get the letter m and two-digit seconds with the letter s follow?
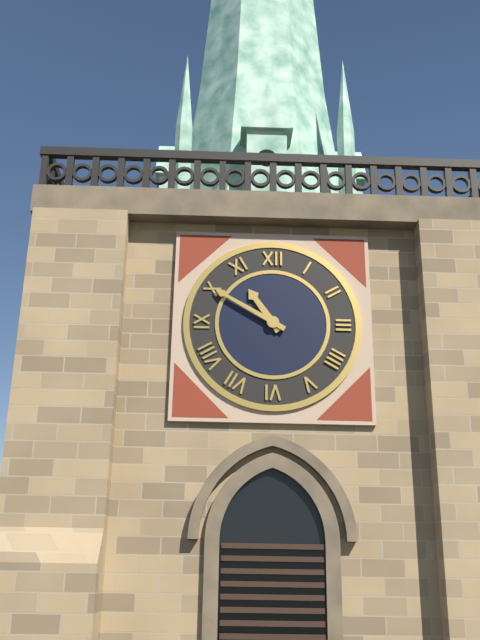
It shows 10h50
